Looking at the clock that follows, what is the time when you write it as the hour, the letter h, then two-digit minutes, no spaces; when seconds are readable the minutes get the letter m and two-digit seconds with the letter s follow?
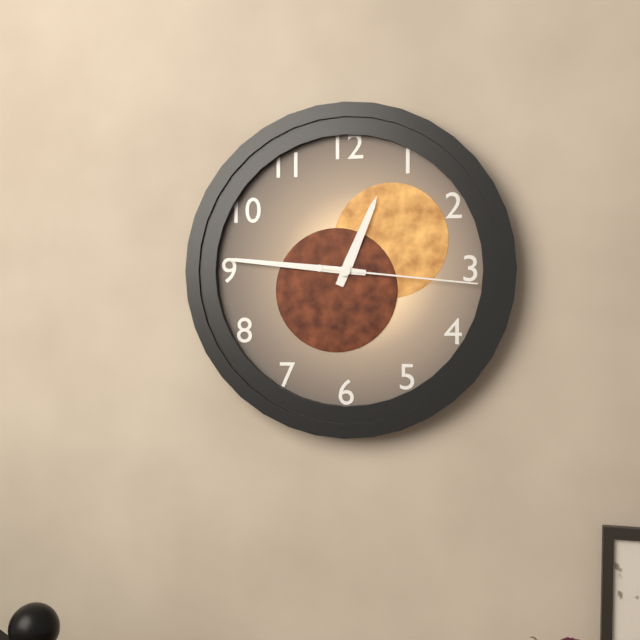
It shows 12h46m16s
